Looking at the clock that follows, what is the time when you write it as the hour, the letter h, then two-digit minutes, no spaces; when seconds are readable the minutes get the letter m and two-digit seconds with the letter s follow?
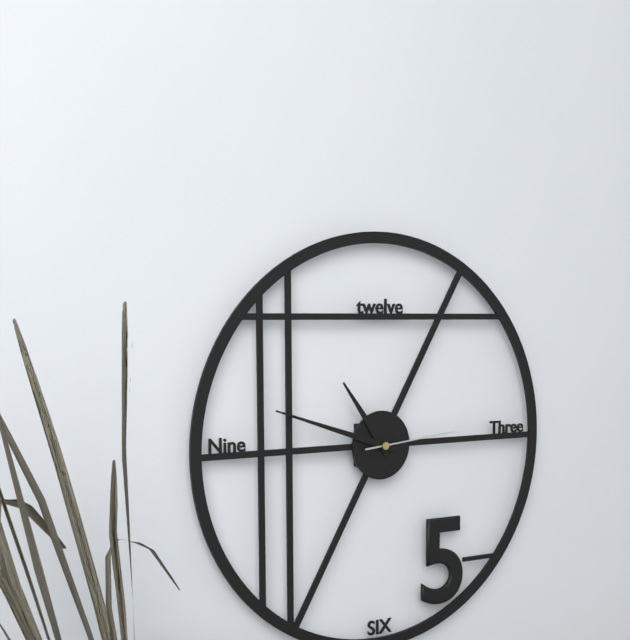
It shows 10h48m14s
